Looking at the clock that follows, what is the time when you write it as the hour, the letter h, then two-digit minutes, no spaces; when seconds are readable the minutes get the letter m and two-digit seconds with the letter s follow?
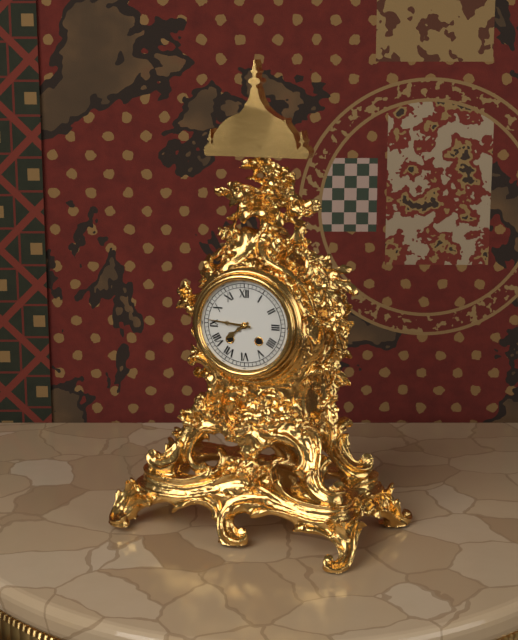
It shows 7h46
